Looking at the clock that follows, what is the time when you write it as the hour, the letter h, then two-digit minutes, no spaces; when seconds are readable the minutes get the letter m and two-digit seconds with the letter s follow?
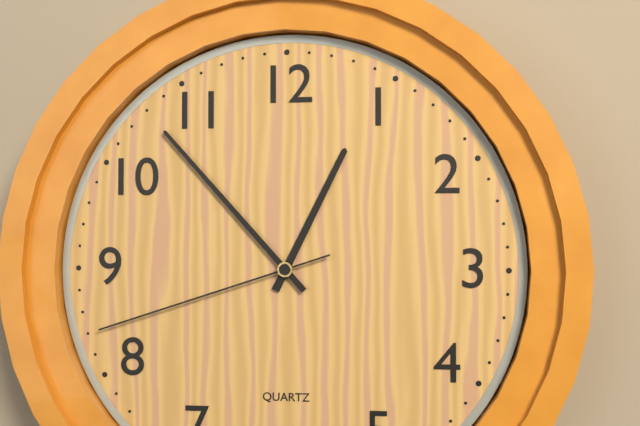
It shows 12h53m42s
